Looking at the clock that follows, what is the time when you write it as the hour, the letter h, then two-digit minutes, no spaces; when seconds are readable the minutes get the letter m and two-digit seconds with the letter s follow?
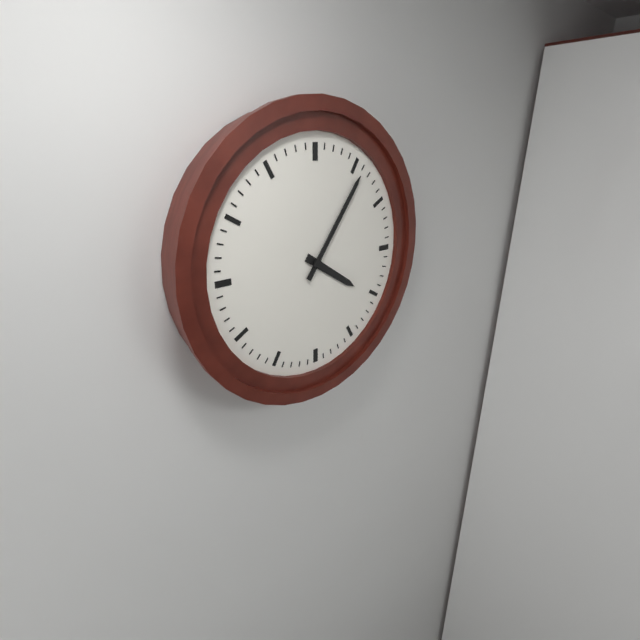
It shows 4h06
